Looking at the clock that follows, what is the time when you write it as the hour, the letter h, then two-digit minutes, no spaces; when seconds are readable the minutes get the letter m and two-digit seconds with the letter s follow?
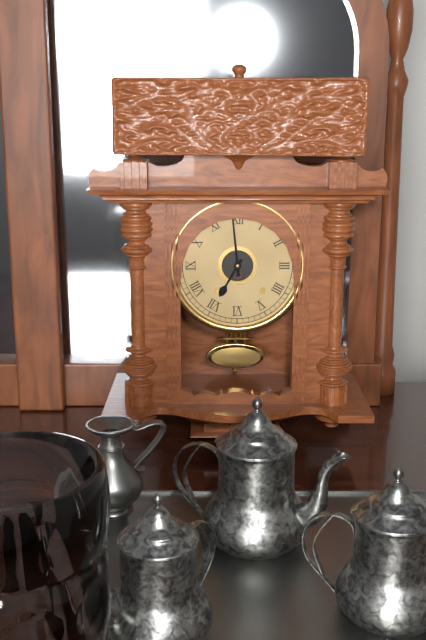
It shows 6h59
